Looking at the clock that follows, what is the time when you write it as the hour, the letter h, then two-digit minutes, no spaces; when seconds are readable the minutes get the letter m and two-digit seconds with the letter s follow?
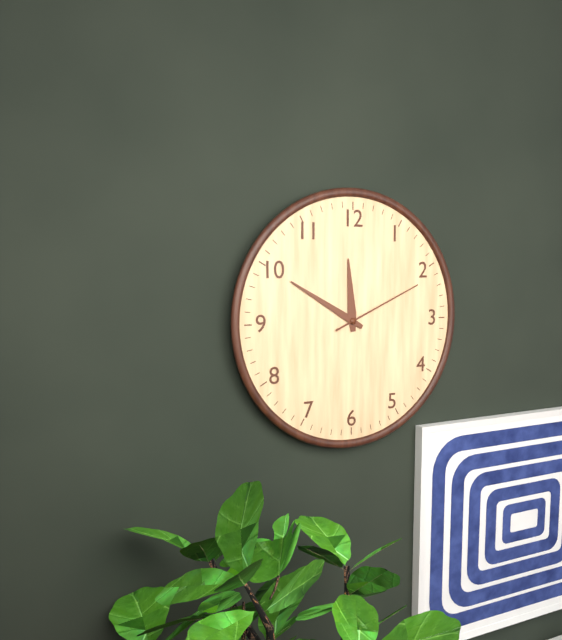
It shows 11h50m11s
